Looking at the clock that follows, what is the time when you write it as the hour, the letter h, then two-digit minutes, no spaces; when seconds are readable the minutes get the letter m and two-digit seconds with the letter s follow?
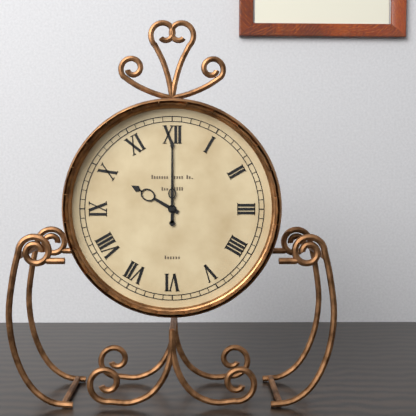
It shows 10h00
